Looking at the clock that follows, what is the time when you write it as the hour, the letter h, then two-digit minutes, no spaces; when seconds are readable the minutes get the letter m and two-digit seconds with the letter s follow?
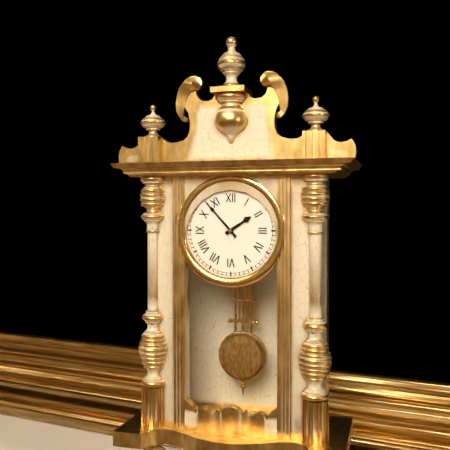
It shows 1h53
